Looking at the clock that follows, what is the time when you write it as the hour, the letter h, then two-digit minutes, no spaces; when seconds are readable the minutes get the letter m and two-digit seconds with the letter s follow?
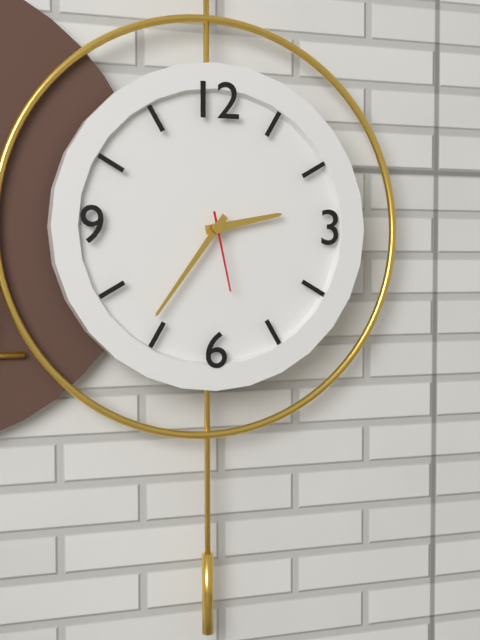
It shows 2h36m28s
